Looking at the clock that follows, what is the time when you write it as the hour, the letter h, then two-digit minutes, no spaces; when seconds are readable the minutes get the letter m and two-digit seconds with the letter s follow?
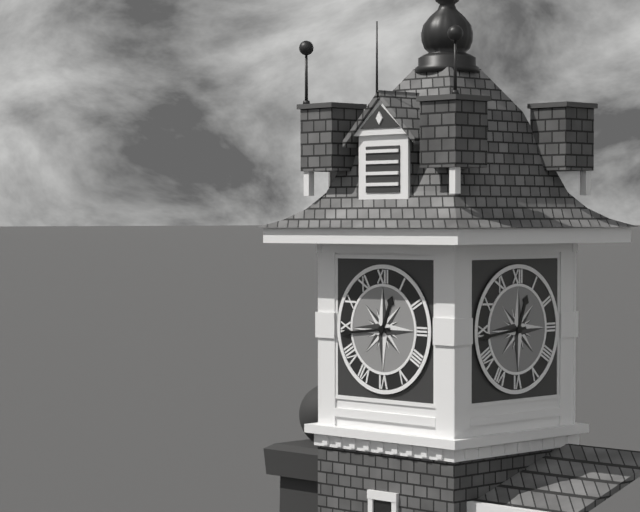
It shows 12h44
